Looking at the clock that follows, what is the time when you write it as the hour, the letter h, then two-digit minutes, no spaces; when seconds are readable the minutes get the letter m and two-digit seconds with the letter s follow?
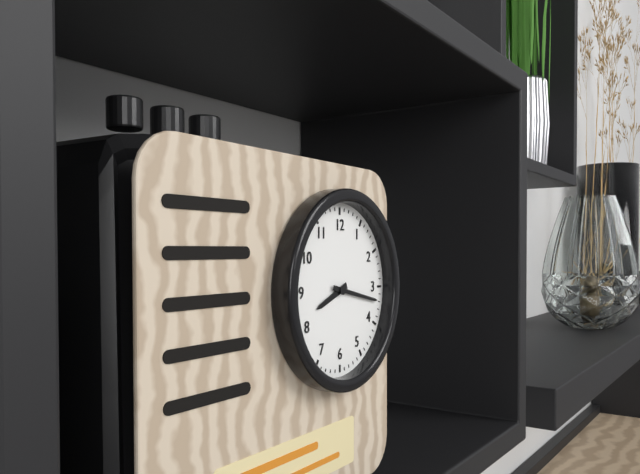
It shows 8h17
